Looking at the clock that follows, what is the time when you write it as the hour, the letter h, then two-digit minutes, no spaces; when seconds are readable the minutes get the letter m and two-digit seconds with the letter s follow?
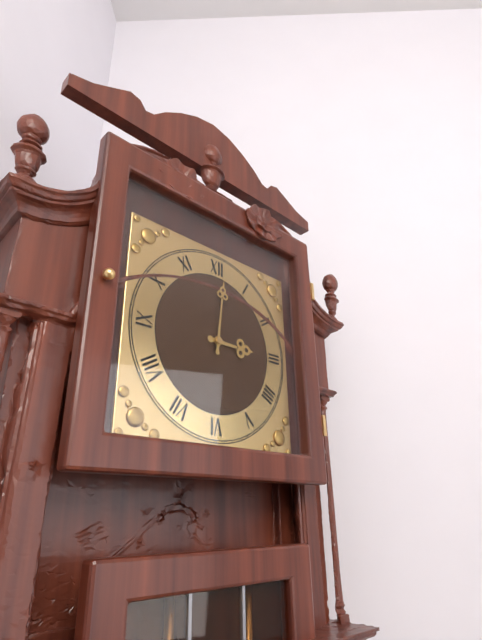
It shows 3h01
